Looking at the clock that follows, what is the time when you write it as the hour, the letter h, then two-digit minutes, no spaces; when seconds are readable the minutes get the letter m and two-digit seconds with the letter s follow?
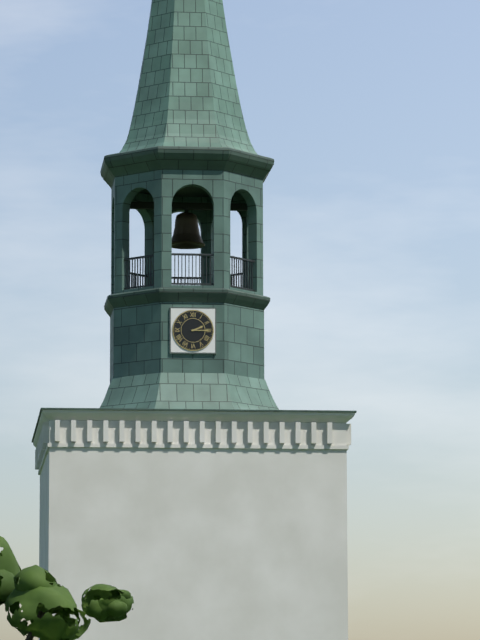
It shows 2h15
